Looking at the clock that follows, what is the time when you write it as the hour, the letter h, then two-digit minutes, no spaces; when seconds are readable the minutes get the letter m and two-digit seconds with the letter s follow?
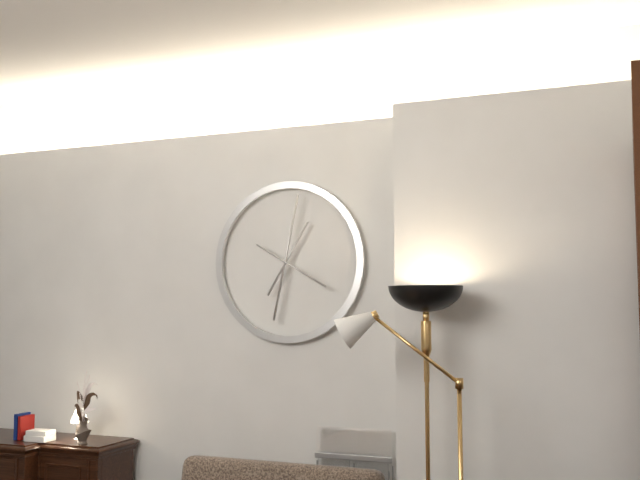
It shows 1h02m20s
